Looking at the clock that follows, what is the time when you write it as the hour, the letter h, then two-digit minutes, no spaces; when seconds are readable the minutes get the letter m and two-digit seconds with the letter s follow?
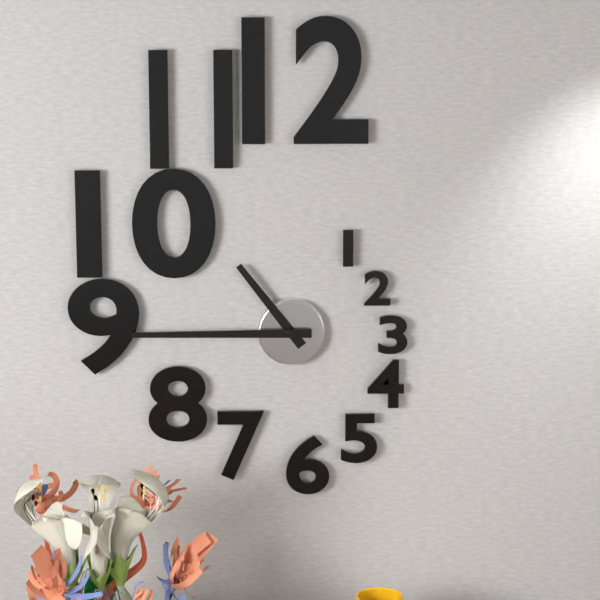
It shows 10h45
